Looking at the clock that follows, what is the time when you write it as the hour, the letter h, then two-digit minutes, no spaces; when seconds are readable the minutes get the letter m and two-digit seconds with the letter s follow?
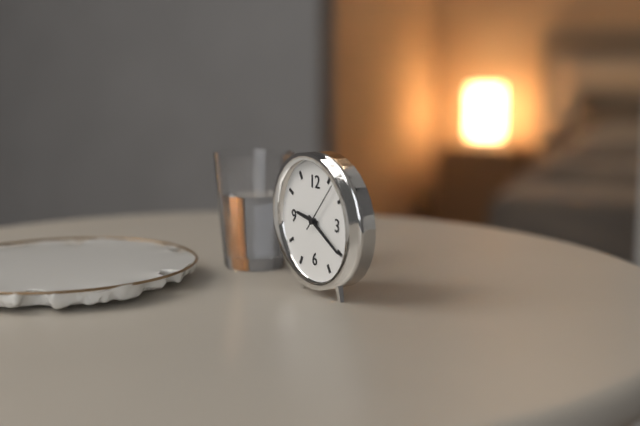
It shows 9h20
